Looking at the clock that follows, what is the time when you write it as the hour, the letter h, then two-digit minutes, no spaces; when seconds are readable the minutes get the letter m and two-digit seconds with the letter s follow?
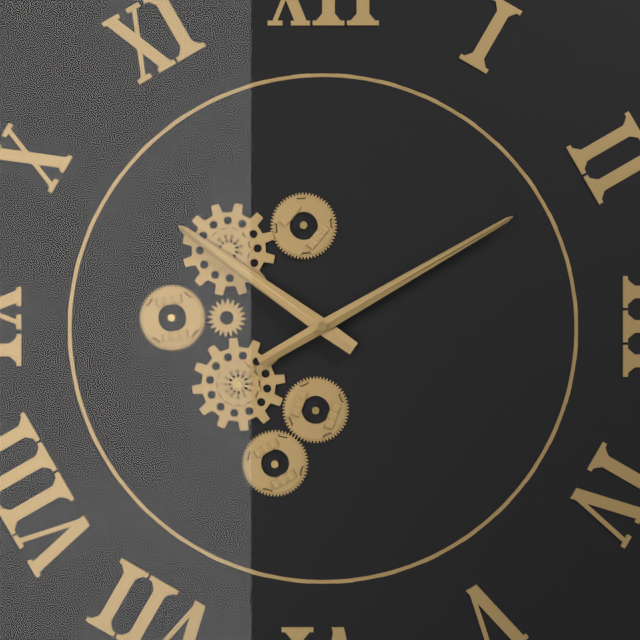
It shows 10h10
